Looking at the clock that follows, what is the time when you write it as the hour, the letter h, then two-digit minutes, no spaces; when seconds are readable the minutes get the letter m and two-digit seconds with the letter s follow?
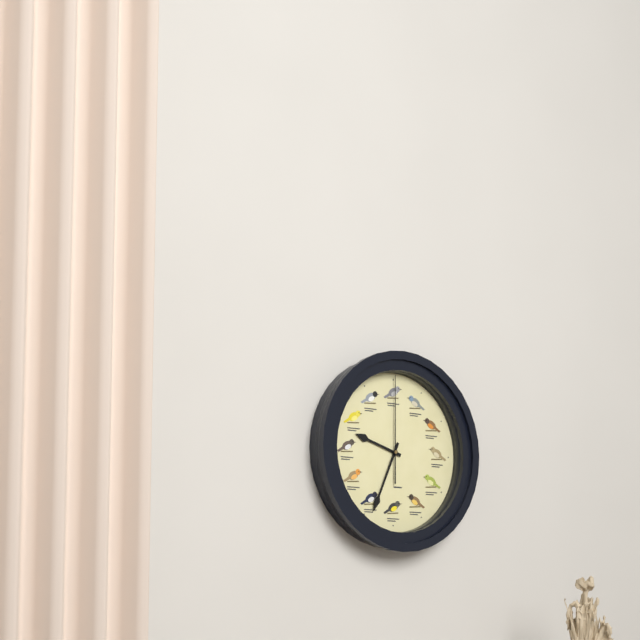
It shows 9h34m00s
